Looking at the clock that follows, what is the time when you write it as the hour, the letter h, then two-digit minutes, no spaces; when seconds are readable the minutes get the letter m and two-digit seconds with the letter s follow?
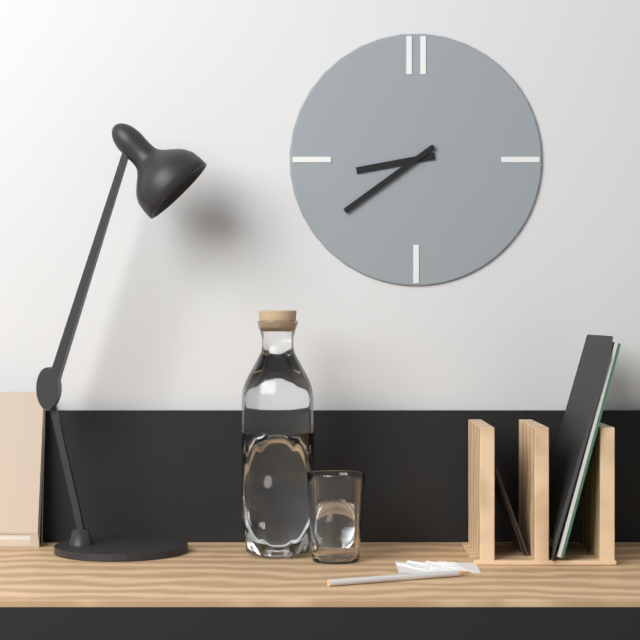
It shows 8h39
